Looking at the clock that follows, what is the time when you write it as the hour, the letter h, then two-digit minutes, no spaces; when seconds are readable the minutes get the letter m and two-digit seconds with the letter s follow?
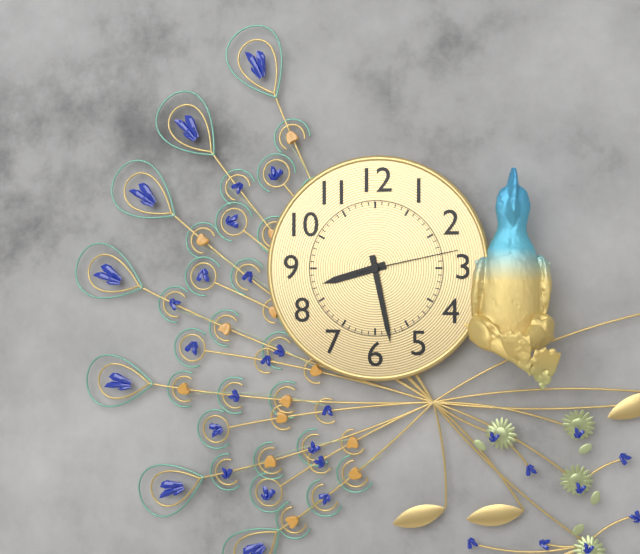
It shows 8h28m13s
